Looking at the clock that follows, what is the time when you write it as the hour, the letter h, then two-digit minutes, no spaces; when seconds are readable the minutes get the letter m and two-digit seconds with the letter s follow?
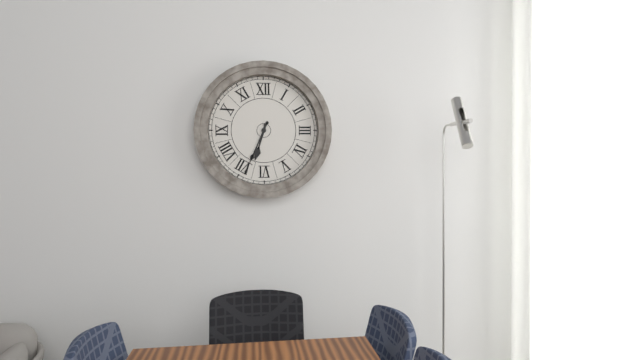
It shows 6h34
